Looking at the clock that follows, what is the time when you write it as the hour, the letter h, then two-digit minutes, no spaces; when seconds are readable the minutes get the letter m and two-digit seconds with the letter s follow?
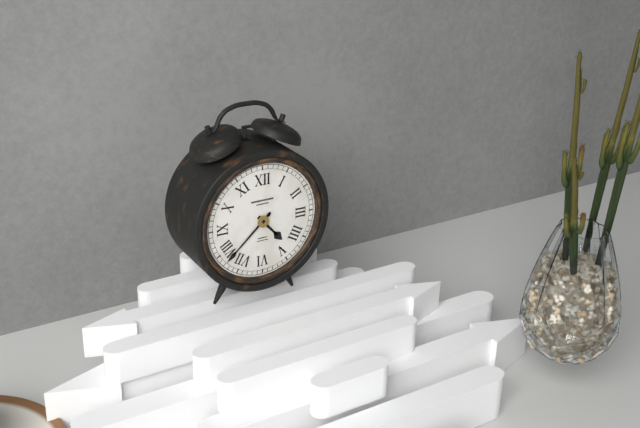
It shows 4h38
